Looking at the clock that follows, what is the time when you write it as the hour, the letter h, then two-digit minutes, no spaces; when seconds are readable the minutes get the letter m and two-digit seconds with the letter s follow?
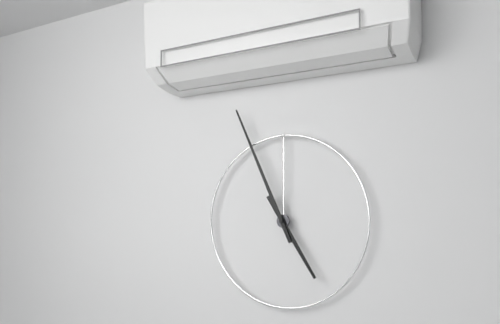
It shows 4h56
